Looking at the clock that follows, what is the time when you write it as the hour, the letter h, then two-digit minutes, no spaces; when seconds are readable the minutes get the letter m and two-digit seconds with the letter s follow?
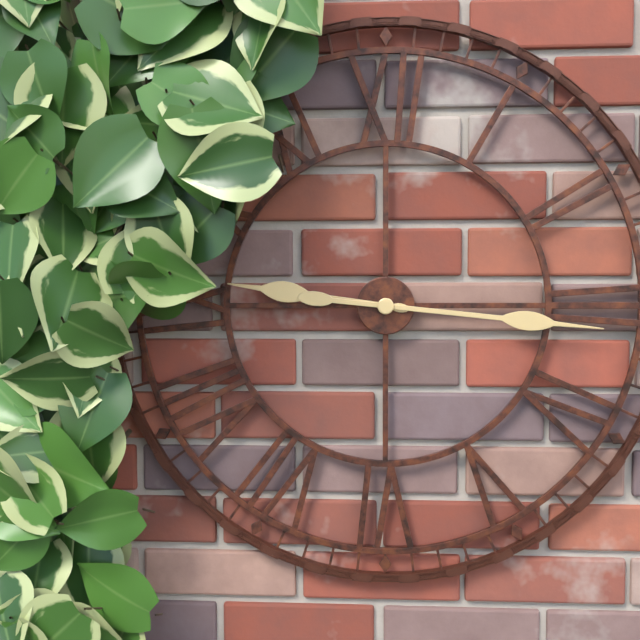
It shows 9h16
